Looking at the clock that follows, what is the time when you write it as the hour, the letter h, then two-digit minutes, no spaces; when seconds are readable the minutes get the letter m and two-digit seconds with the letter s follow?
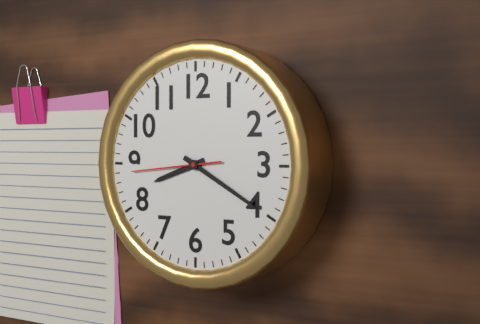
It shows 8h20m44s
